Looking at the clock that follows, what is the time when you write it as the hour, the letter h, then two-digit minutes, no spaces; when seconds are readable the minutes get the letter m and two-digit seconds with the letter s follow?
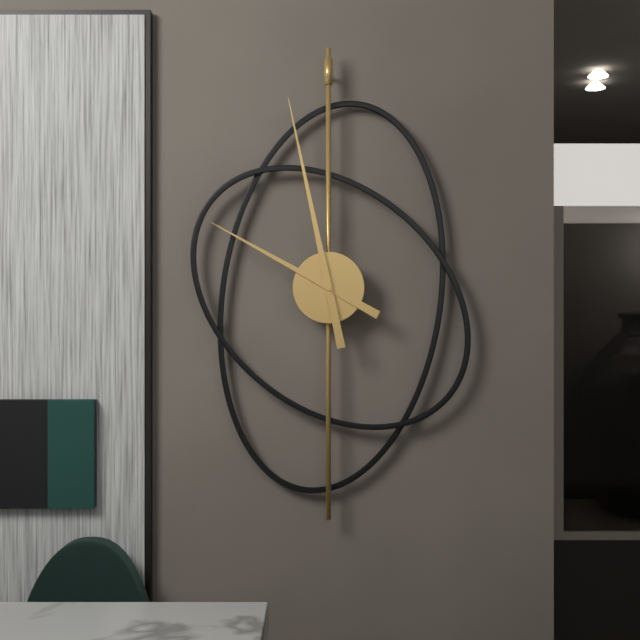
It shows 9h58
